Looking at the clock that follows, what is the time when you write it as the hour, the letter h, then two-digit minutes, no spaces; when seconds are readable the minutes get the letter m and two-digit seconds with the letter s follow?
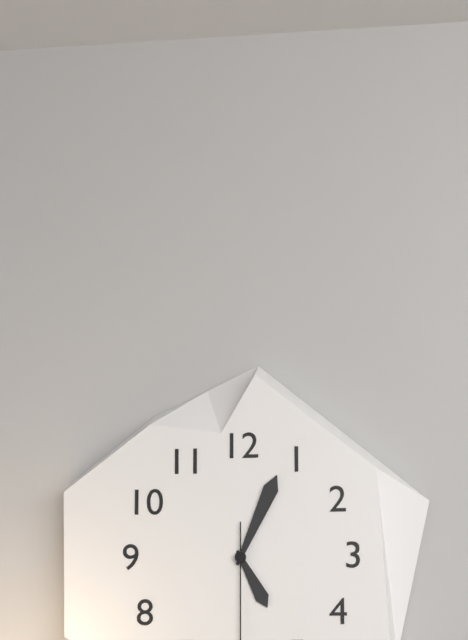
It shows 5h04
